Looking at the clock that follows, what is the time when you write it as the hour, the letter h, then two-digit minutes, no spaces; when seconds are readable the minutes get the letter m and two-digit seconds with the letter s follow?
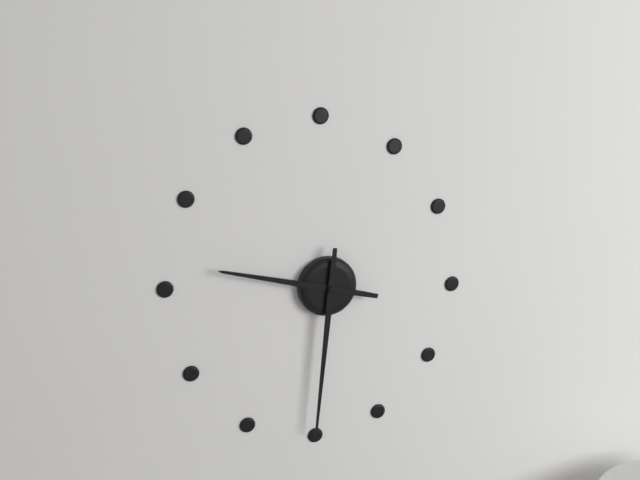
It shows 9h31
